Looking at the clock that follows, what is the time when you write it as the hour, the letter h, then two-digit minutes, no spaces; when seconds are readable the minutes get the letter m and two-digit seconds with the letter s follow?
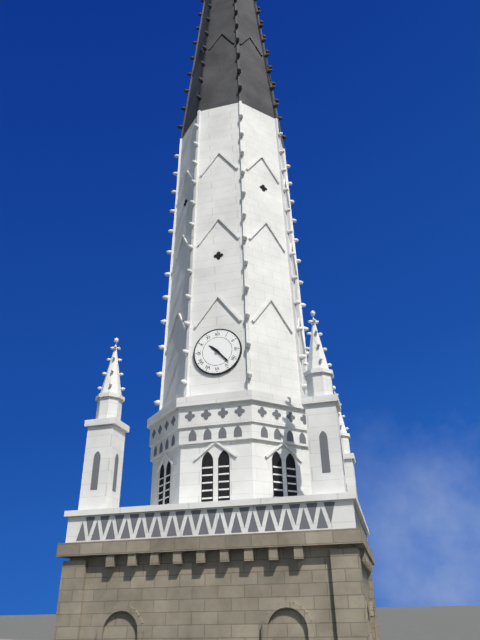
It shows 10h23
